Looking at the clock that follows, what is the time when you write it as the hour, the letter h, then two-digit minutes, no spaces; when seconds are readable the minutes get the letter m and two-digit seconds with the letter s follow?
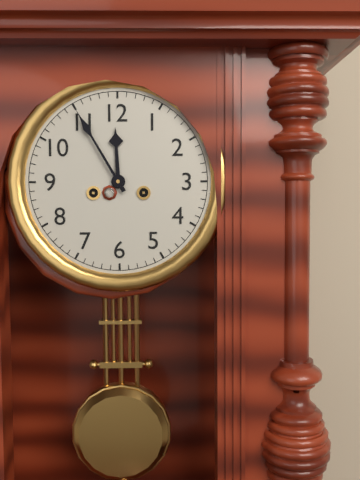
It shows 11h55
